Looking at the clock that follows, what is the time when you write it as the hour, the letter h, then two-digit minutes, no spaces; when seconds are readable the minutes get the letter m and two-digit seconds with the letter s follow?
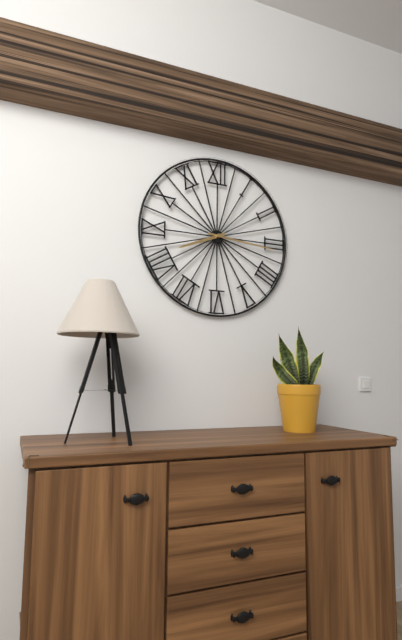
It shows 8h16
